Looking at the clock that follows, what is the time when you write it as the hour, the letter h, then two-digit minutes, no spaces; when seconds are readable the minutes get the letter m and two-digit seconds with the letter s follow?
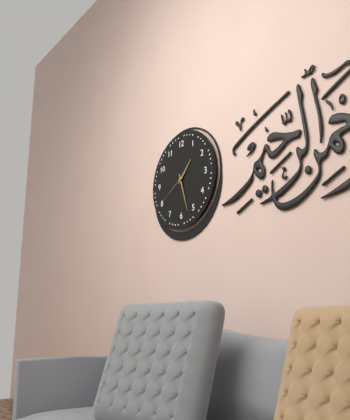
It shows 1h27
